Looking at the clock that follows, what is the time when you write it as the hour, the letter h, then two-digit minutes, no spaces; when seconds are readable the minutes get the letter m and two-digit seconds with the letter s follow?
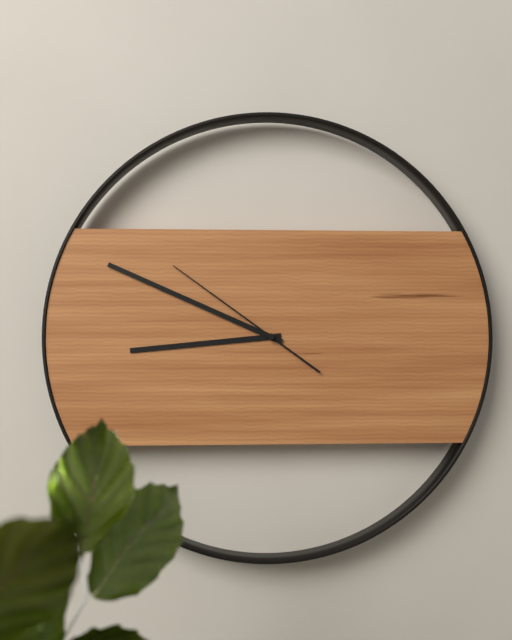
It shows 8h49m51s
